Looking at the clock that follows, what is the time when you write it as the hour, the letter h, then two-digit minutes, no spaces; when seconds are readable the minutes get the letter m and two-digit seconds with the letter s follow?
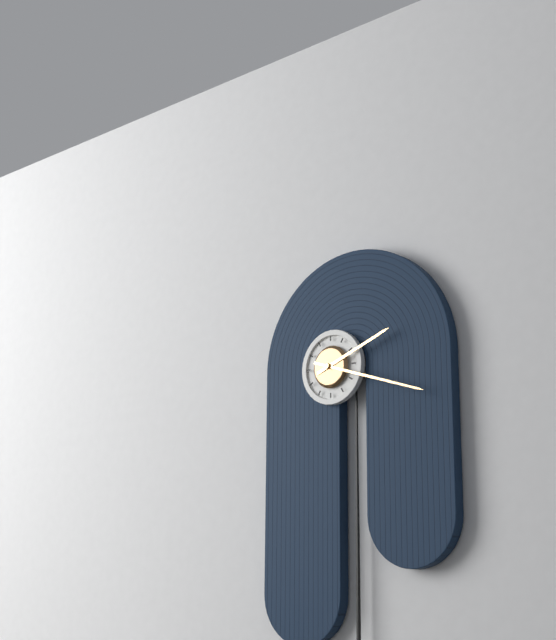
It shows 2h18
